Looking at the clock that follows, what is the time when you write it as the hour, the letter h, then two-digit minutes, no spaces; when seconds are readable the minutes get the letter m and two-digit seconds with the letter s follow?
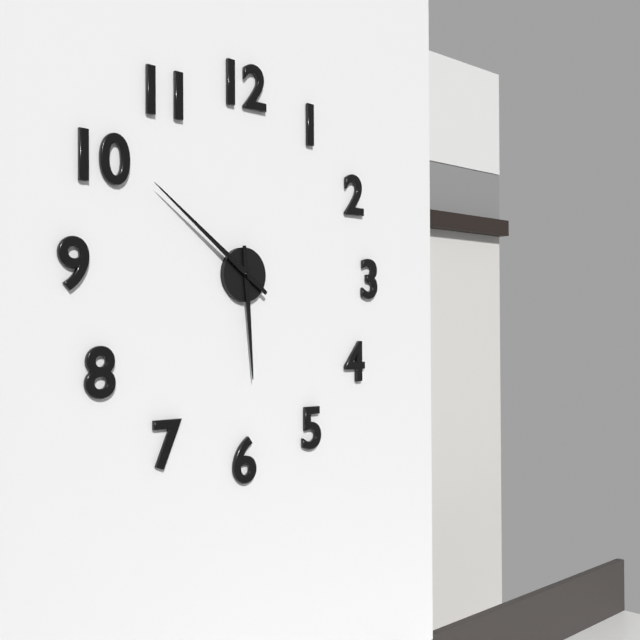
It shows 5h51
